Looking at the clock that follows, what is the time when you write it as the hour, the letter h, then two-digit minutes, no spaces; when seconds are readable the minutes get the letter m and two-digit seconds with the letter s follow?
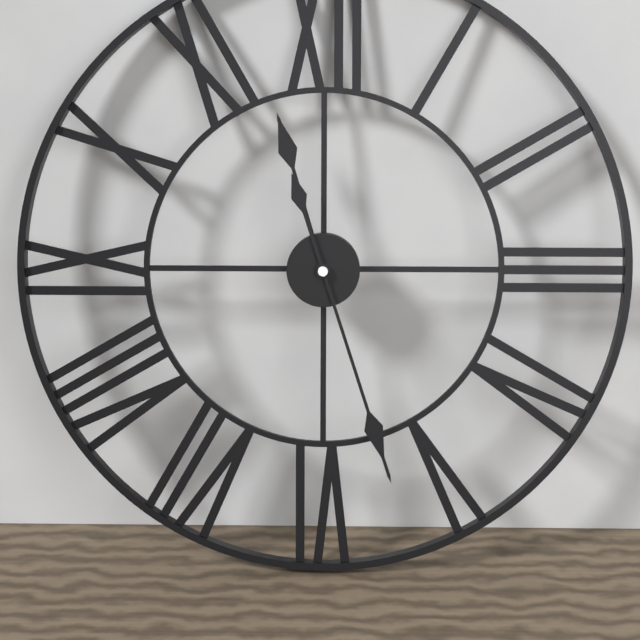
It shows 11h27
